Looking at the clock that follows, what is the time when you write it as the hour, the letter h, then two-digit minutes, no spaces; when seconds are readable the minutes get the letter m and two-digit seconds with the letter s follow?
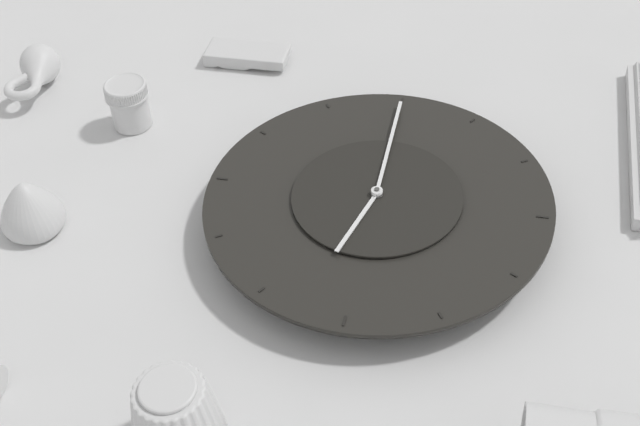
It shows 12h30
